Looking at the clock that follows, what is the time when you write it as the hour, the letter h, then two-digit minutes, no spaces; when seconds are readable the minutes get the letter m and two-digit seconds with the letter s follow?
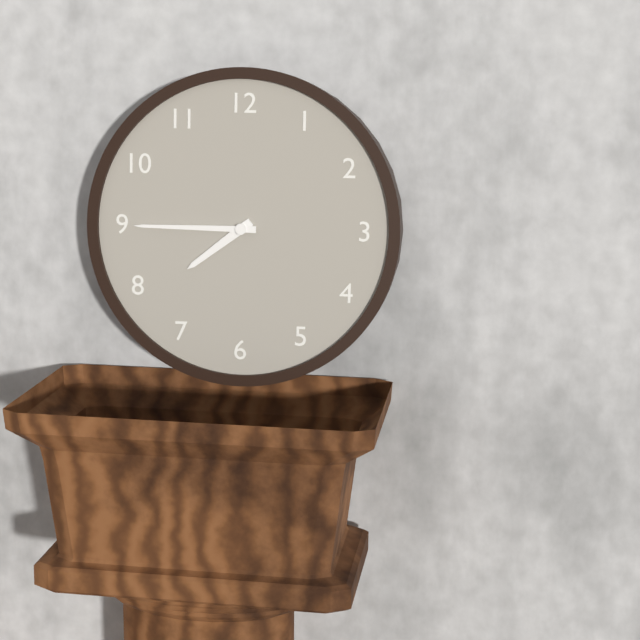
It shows 7h45
